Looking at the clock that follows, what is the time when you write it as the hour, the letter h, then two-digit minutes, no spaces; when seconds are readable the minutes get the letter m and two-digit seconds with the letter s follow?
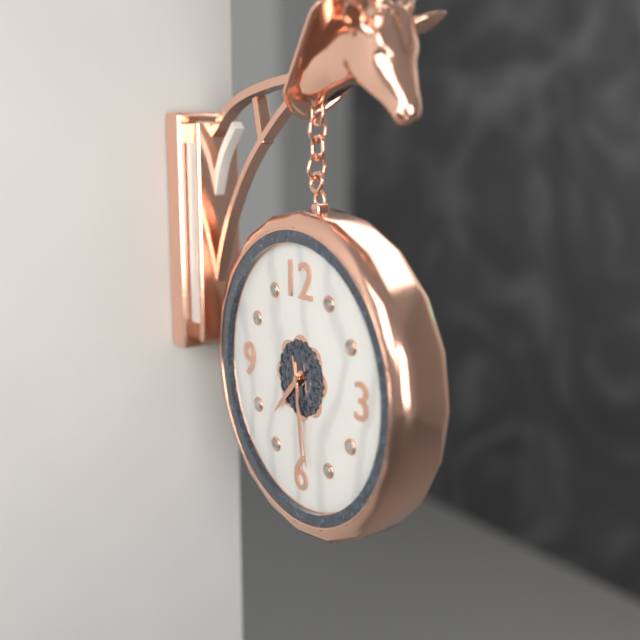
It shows 7h29m28s
